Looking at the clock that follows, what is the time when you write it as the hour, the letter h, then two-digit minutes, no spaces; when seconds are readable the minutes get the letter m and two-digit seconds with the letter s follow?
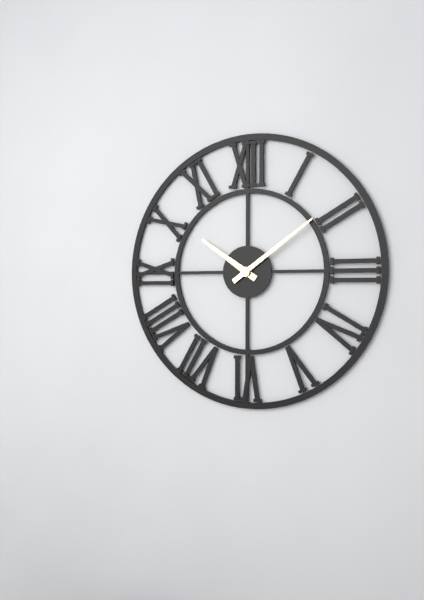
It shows 10h09
